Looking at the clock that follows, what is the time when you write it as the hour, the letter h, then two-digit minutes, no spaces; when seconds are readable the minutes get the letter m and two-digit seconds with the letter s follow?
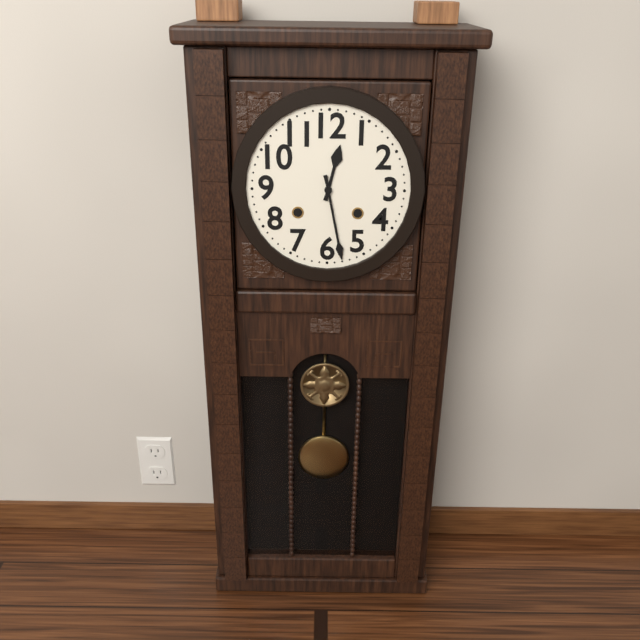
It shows 12h28
